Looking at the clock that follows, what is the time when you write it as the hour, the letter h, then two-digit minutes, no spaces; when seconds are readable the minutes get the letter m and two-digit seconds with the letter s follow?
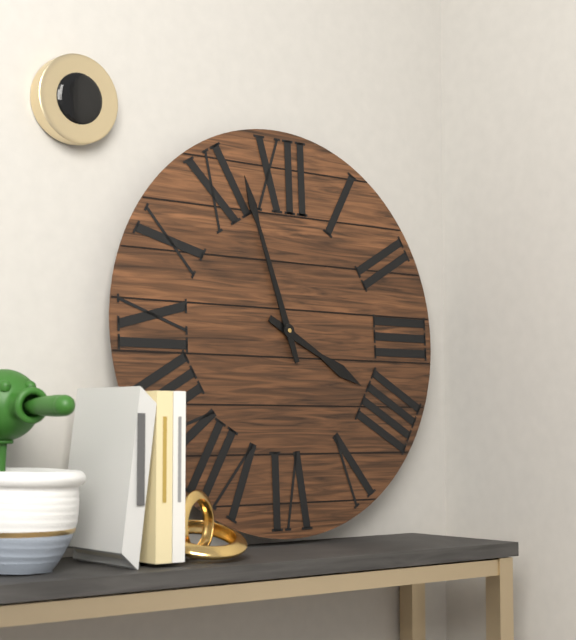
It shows 3h57
